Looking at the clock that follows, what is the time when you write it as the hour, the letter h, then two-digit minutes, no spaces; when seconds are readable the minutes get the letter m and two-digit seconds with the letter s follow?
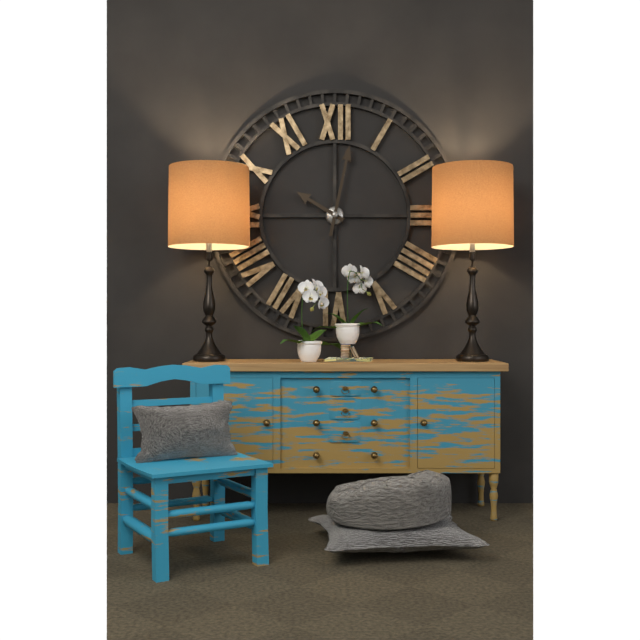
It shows 10h02
